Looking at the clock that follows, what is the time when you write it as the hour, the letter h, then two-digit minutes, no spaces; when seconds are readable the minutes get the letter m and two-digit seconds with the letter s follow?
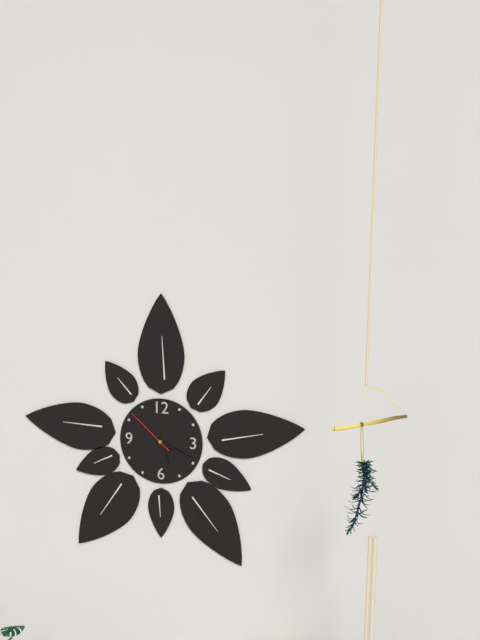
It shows 5h19m52s
